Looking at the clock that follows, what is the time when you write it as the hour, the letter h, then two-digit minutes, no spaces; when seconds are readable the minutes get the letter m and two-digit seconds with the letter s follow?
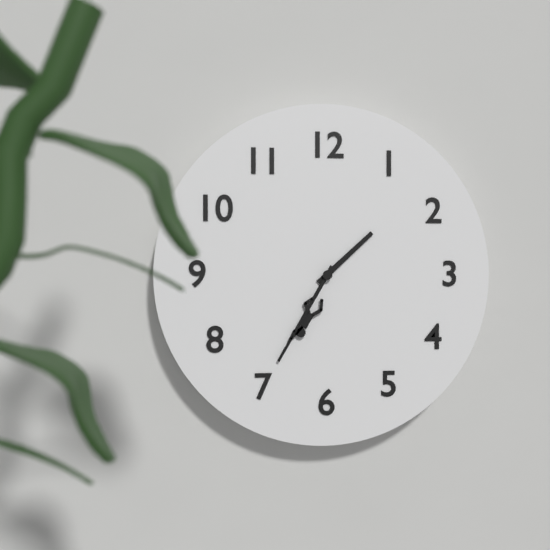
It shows 1h35
